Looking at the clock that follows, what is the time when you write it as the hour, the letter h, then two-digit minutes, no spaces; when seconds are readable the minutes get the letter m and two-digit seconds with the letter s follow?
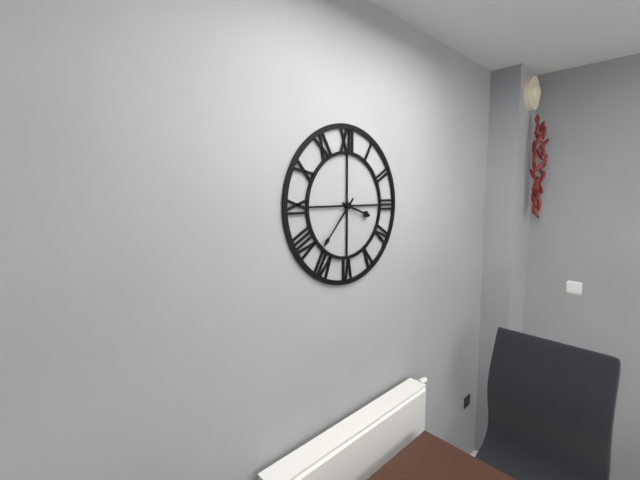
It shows 3h37
